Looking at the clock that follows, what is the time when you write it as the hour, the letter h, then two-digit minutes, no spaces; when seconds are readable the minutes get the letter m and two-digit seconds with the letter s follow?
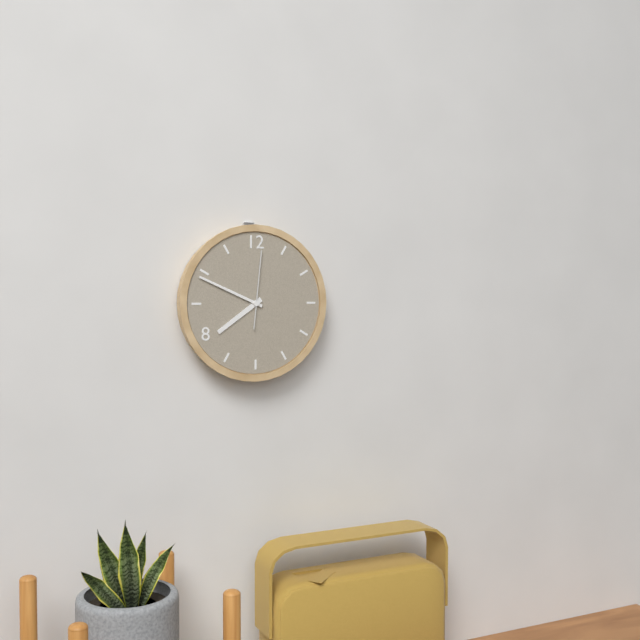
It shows 7h49m01s
